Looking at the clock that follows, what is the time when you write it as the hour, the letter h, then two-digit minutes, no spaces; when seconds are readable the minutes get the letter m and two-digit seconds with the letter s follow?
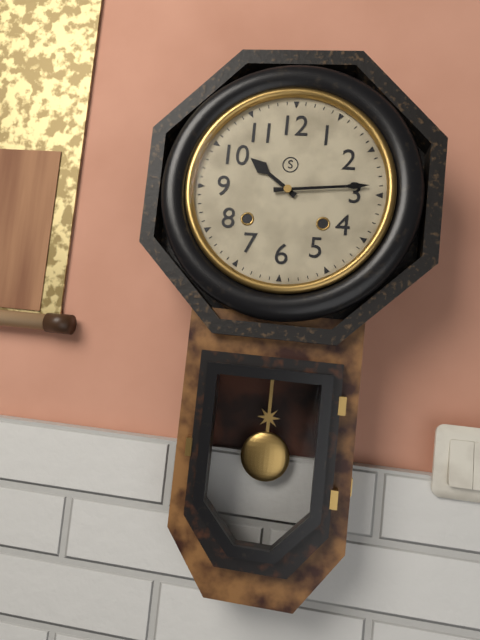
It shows 10h14
